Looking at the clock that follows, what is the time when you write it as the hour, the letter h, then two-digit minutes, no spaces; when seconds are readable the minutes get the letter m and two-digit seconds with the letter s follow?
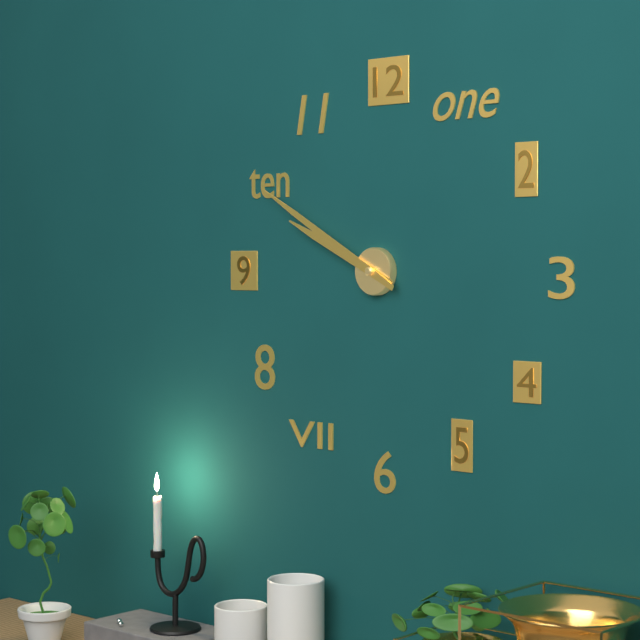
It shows 9h50
